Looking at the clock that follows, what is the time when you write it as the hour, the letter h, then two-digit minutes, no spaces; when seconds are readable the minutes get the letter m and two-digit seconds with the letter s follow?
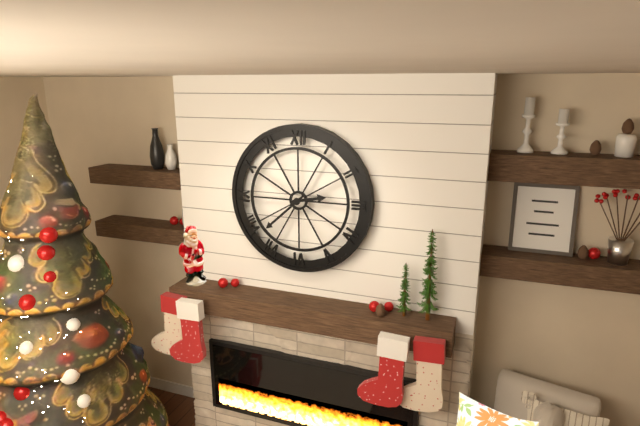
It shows 2h38
